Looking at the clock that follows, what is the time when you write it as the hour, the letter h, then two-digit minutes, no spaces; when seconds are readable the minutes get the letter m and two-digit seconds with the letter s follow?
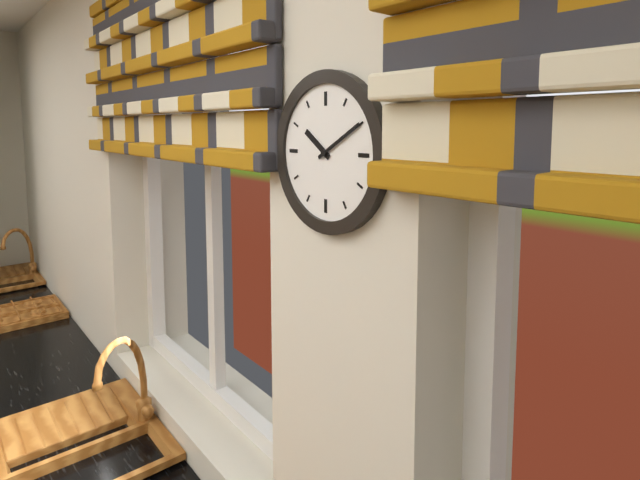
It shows 10h10
